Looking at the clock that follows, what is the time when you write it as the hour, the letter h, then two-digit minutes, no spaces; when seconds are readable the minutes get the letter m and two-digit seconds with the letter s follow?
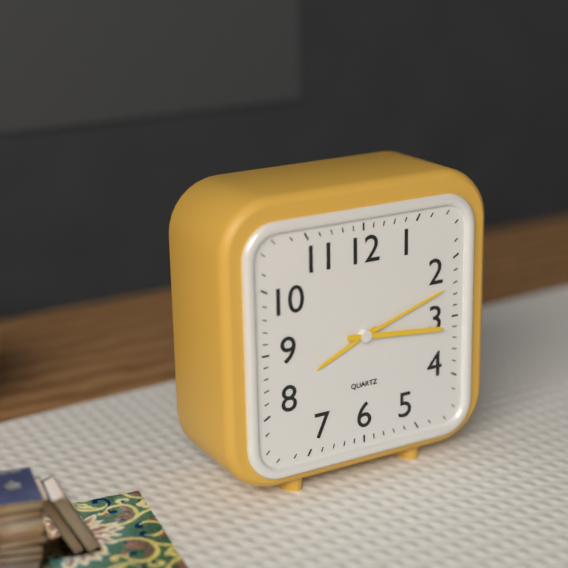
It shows 8h12m16s
